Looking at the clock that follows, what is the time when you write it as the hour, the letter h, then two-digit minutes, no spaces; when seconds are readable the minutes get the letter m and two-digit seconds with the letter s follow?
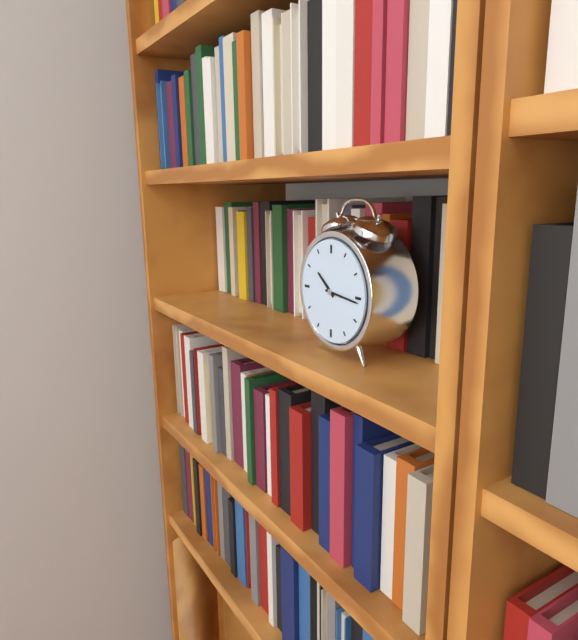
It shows 10h16
